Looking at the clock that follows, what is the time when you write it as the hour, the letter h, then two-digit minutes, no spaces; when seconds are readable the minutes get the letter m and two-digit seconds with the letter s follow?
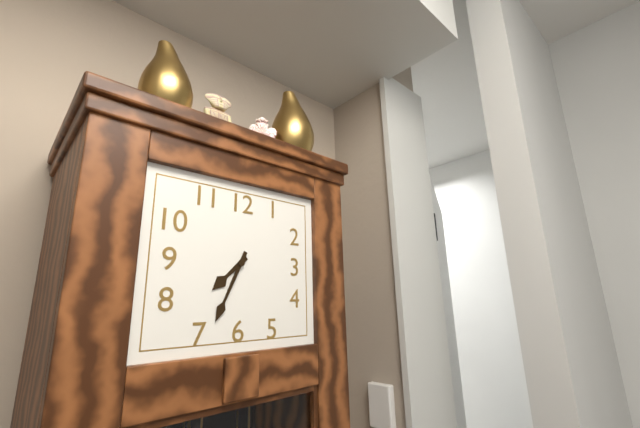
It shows 7h34
